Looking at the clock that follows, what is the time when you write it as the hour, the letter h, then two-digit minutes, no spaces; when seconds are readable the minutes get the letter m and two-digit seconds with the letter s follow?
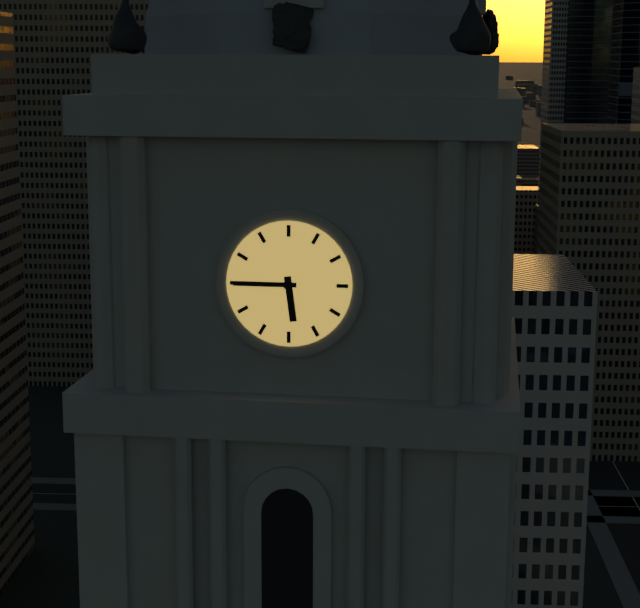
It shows 5h45
